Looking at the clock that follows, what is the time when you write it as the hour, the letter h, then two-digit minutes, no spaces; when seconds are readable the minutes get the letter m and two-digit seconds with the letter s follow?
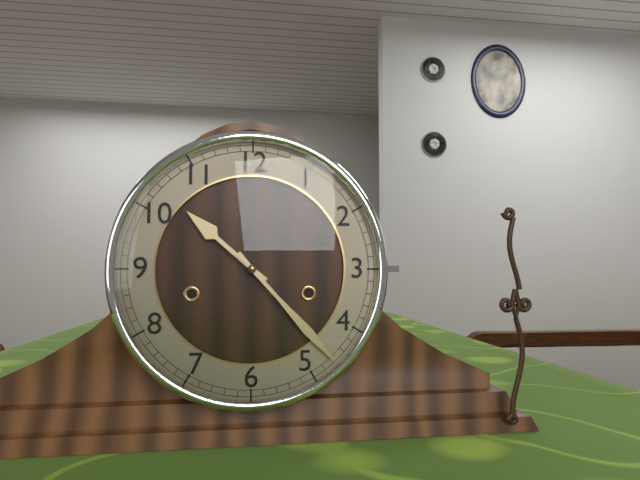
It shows 10h23
